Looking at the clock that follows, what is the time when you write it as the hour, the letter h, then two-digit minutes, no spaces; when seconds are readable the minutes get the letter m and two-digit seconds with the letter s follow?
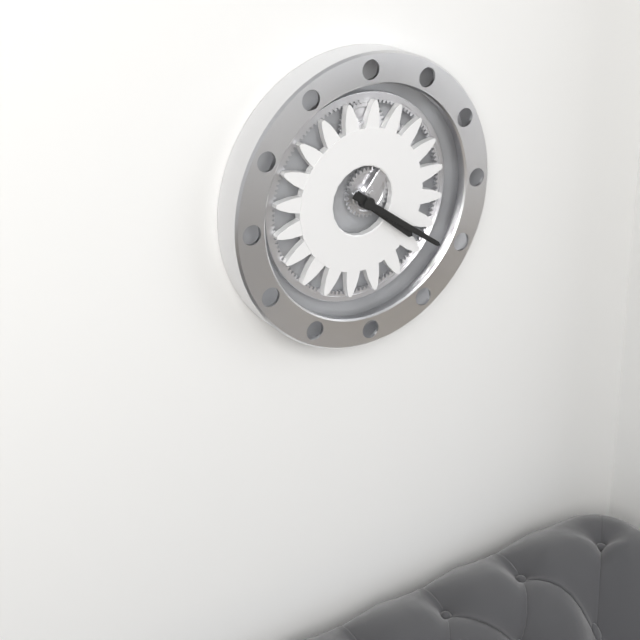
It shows 4h21
